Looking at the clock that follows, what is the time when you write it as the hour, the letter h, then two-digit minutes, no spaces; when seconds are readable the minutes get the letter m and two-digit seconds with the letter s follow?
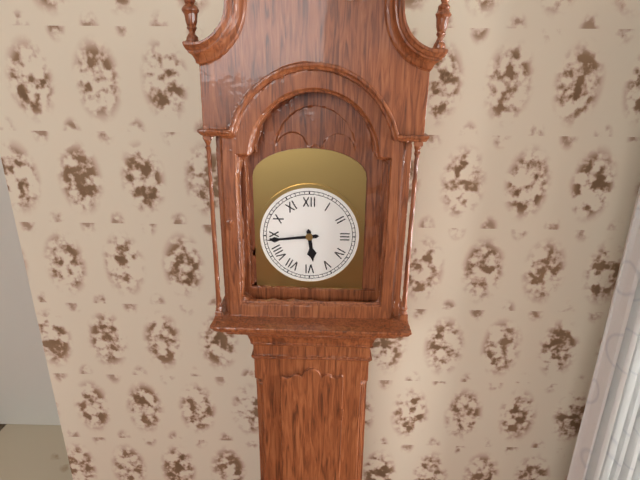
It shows 5h44
